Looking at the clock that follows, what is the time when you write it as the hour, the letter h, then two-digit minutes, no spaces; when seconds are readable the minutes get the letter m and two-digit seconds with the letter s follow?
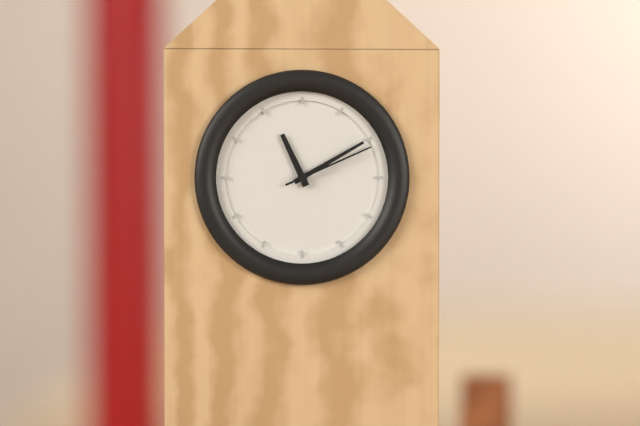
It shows 11h10m11s
